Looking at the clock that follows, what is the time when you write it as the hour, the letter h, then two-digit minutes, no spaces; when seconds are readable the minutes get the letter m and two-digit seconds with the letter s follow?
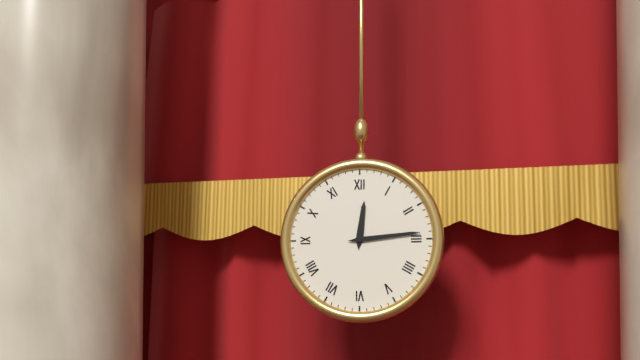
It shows 12h14
